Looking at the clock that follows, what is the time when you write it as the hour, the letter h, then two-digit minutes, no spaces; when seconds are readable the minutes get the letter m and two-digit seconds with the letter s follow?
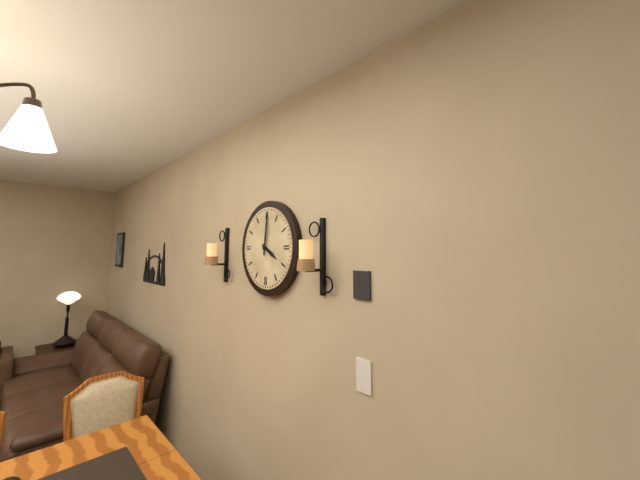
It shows 4h01
